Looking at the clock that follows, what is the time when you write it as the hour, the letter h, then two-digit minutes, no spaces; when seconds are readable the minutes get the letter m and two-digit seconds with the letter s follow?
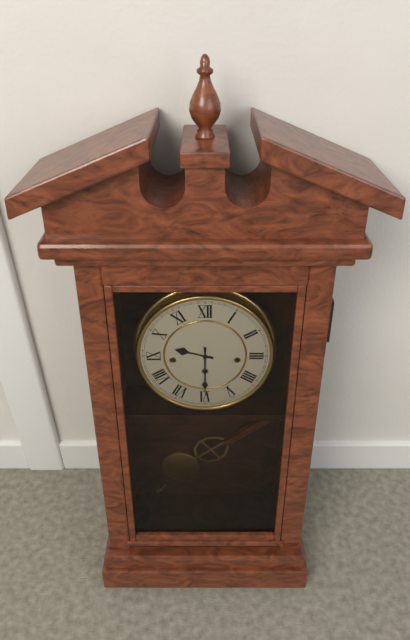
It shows 9h30
